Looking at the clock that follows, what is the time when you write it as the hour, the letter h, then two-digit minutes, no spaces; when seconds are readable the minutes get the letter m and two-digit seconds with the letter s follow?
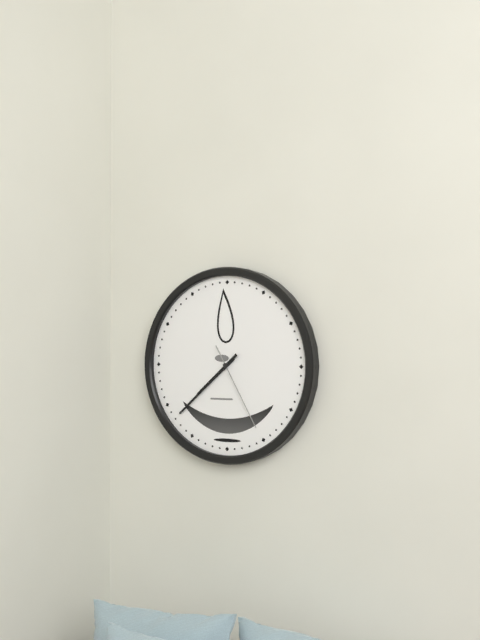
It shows 7h38m25s
